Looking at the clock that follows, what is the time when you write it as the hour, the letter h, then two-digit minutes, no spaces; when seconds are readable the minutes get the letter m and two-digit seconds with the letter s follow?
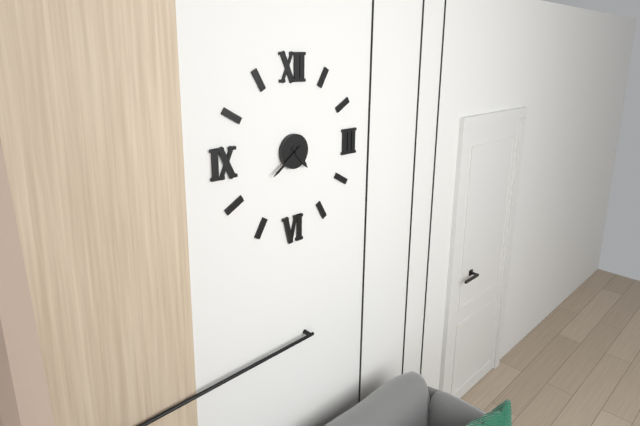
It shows 4h39
